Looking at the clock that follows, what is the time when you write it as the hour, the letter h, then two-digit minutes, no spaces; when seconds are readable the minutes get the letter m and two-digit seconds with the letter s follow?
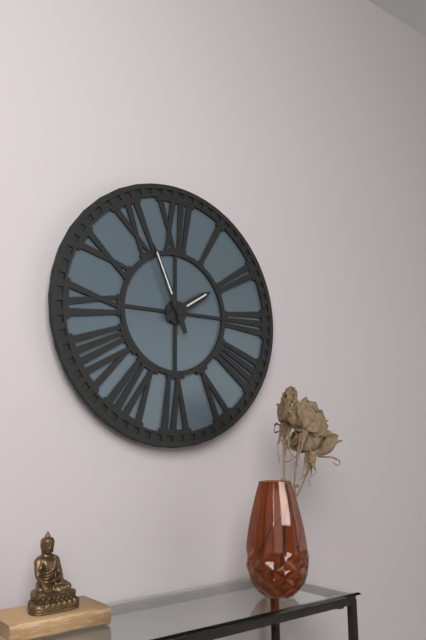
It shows 1h56
